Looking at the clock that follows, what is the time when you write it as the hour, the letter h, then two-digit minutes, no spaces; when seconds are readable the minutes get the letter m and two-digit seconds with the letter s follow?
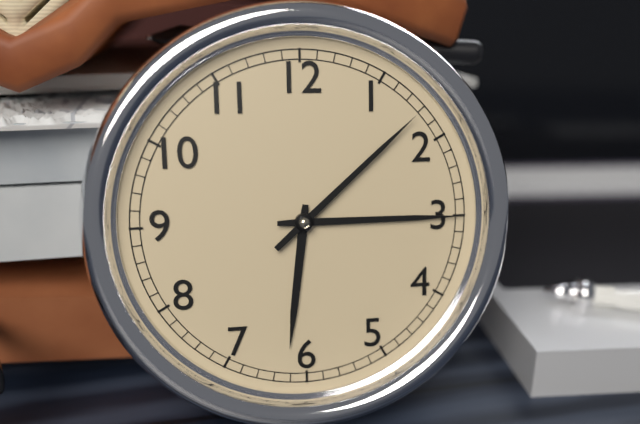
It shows 6h15m08s
